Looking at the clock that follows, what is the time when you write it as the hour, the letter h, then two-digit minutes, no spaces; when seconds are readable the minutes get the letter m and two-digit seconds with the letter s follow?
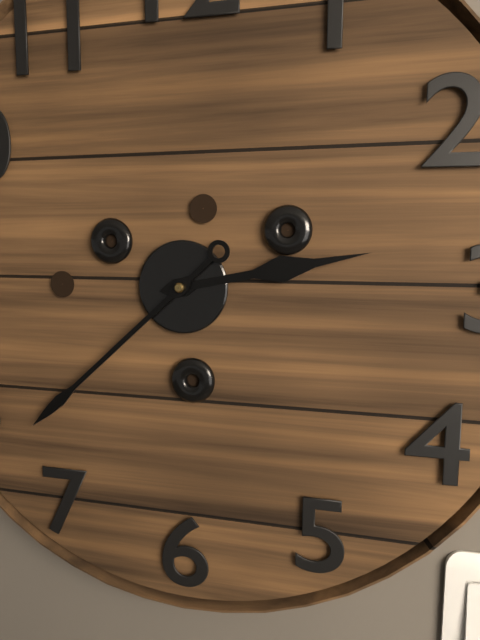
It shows 2h38
